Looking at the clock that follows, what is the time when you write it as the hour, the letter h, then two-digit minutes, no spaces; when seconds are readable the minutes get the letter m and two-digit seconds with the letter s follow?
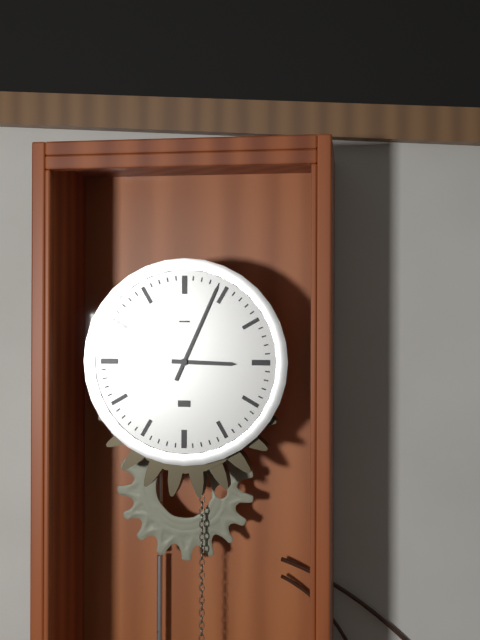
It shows 3h04
